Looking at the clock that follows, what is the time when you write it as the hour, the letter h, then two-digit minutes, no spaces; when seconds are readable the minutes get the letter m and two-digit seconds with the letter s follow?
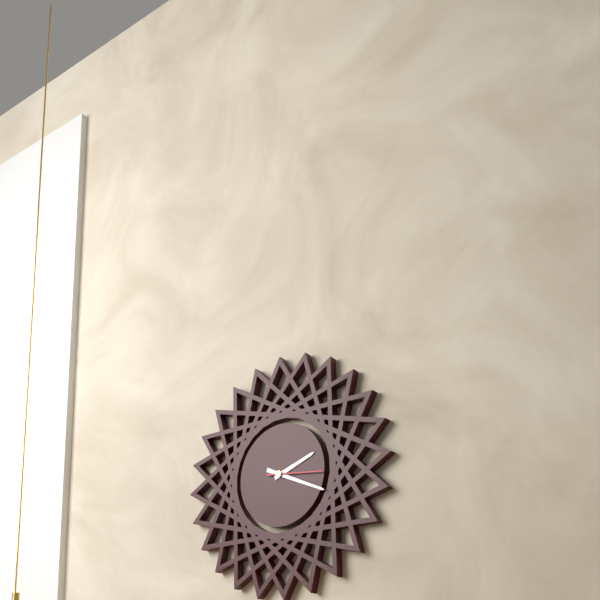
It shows 2h19m16s
